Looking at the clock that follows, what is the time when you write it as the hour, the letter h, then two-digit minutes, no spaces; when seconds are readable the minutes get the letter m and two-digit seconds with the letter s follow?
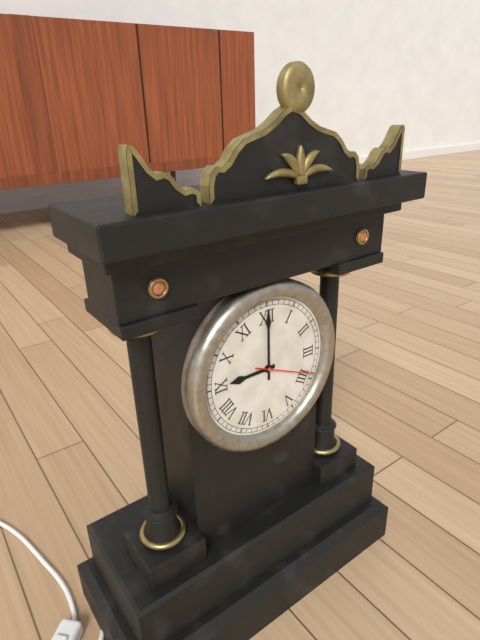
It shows 9h00m19s
